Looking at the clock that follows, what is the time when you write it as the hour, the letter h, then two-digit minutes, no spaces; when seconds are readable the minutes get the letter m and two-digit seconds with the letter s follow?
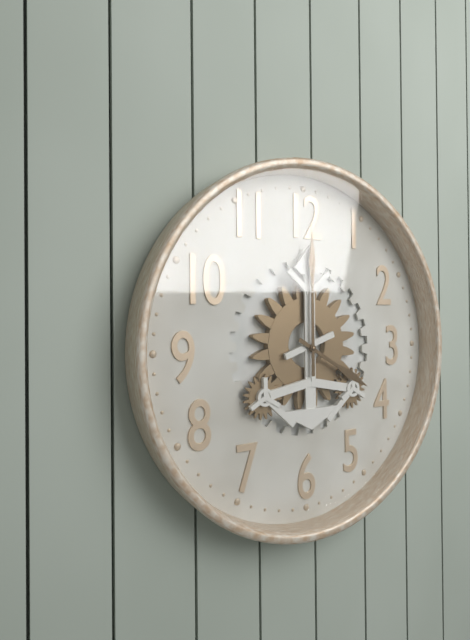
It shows 4h00
